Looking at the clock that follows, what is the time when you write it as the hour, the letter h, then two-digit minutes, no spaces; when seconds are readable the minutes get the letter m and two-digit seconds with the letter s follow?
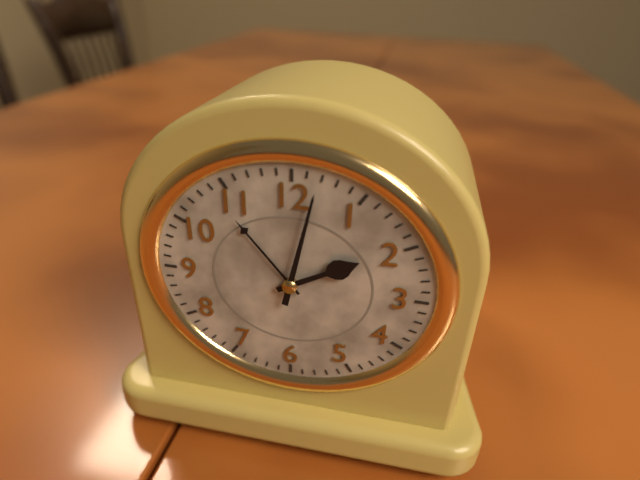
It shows 2h02
